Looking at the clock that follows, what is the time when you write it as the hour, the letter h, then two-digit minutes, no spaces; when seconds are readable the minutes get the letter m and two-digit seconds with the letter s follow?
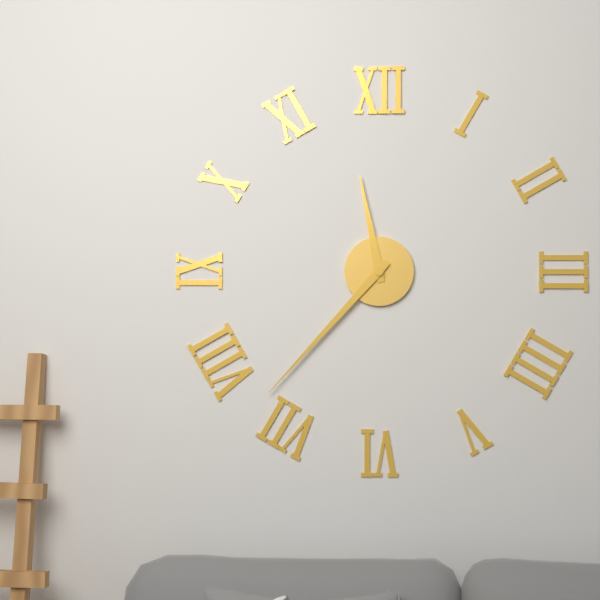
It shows 11h37
